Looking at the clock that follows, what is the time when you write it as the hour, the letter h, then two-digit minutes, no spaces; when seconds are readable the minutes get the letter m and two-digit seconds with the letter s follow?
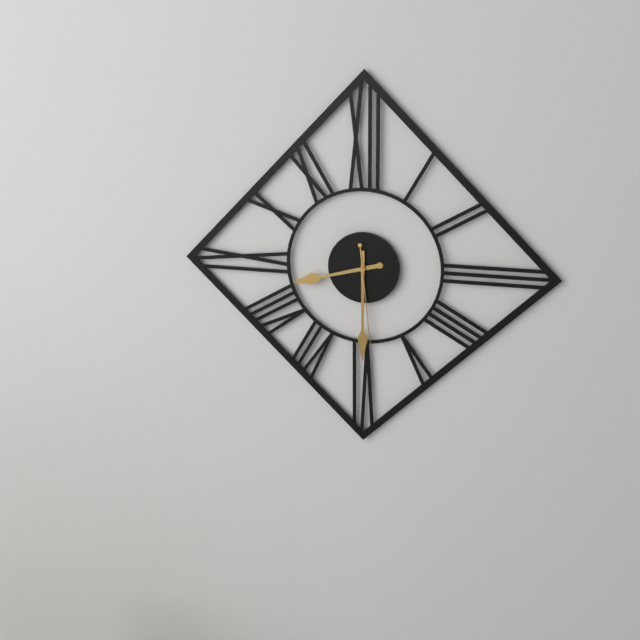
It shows 8h30m29s
